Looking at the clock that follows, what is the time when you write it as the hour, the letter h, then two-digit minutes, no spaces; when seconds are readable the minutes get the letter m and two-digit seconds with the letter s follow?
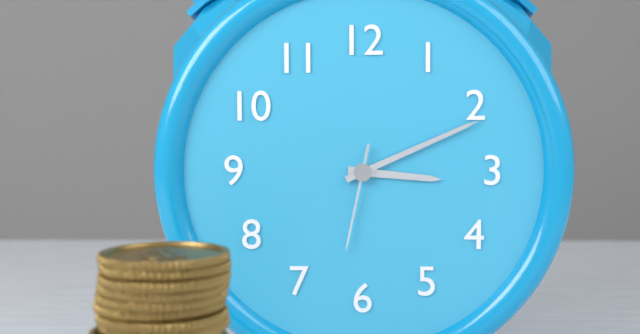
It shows 3h11m32s
